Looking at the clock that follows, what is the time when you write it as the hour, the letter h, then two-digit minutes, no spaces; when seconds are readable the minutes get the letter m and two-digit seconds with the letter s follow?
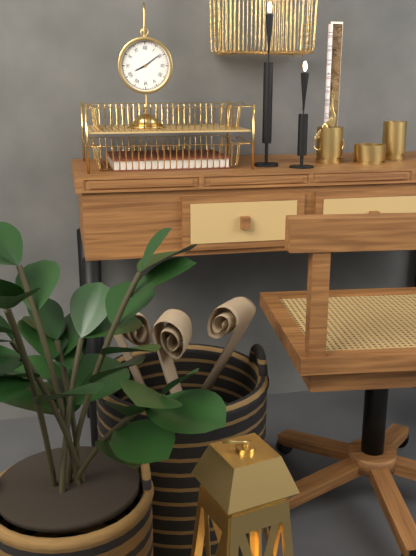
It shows 8h09
